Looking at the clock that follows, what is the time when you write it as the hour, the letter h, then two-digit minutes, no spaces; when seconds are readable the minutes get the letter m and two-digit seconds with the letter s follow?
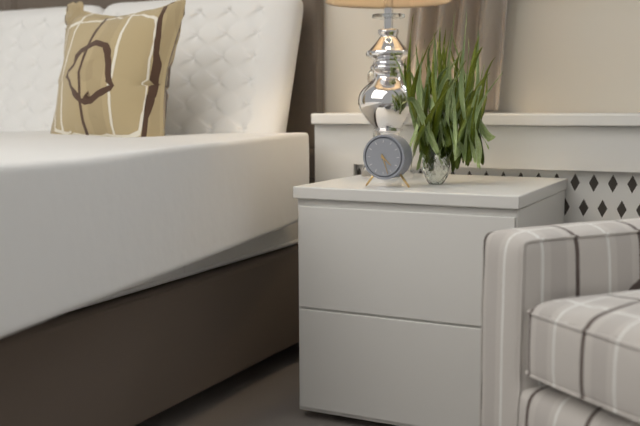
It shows 4h27
